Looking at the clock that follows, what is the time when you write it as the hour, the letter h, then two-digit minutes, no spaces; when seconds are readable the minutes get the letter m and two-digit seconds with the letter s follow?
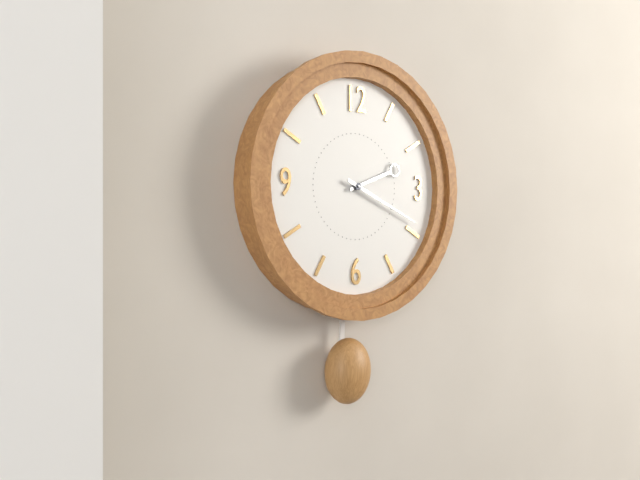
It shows 2h19
